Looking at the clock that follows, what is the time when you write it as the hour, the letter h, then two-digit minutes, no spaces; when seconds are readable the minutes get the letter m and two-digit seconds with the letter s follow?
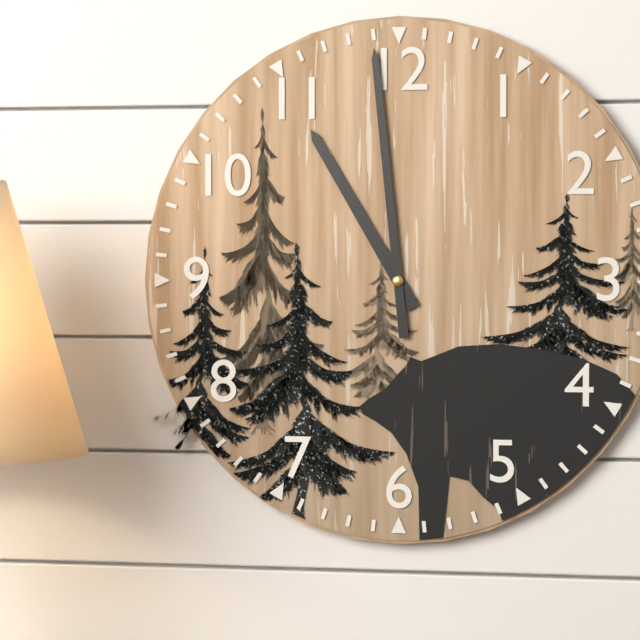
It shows 10h59
